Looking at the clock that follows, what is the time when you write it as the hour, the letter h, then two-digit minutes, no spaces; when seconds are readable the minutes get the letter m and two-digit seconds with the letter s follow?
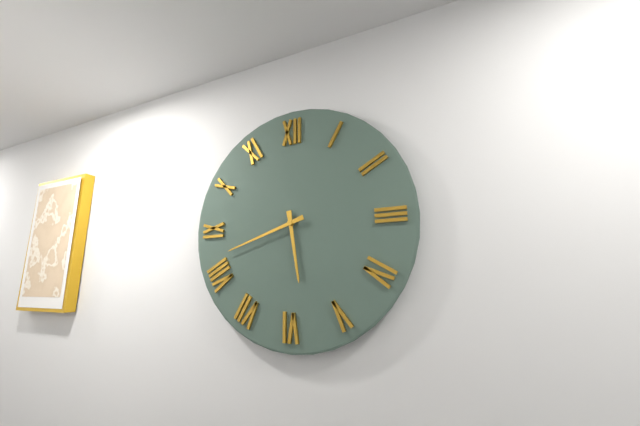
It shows 5h42
